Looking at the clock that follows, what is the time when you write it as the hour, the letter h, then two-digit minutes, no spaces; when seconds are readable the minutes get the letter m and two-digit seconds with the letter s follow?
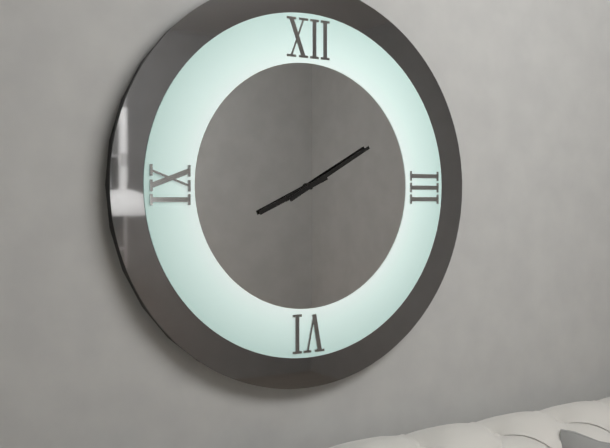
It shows 8h10
